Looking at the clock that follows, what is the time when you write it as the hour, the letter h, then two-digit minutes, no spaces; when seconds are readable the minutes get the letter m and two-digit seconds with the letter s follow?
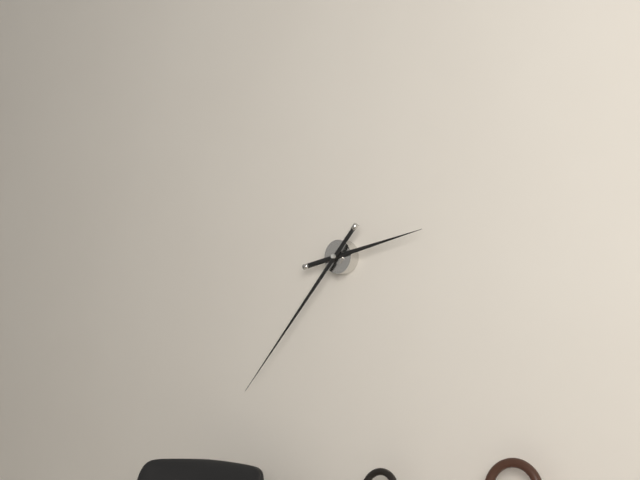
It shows 2h37
